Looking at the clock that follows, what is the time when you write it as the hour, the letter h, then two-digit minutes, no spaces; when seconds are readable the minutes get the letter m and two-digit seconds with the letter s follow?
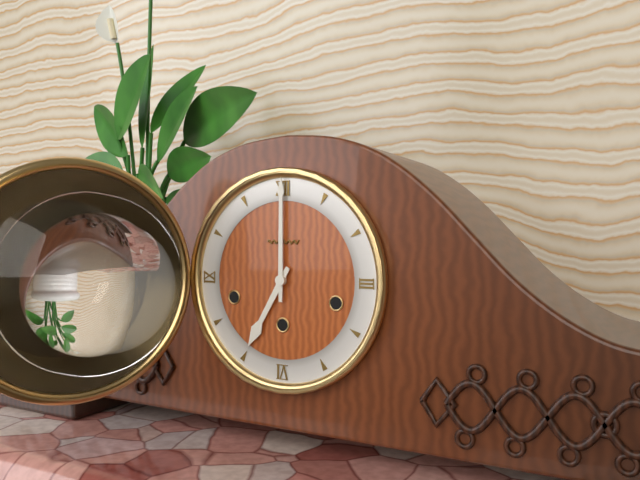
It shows 7h00
